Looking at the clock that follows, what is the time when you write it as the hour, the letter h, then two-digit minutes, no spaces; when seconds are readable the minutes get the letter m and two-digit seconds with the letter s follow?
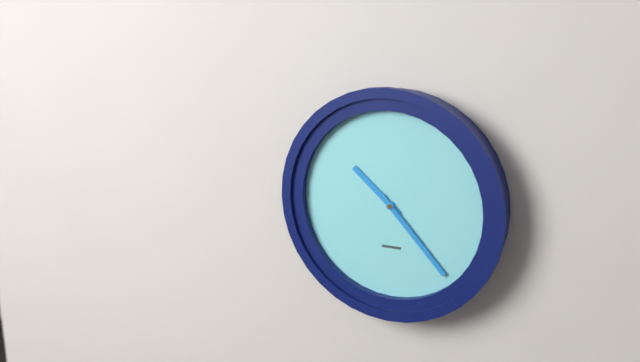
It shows 10h23
